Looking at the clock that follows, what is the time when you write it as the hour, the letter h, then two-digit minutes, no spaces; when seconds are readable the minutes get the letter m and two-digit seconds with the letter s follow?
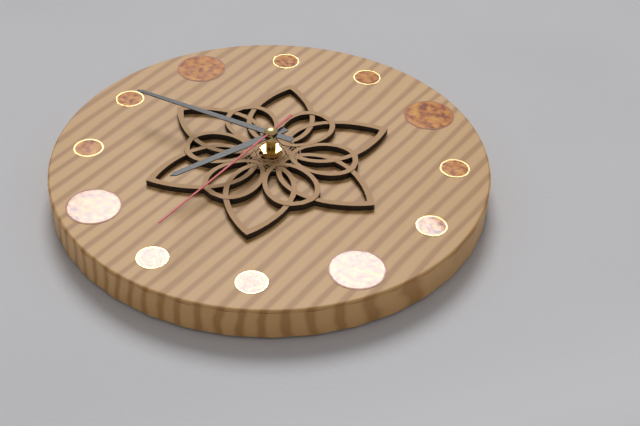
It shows 5h39m25s
